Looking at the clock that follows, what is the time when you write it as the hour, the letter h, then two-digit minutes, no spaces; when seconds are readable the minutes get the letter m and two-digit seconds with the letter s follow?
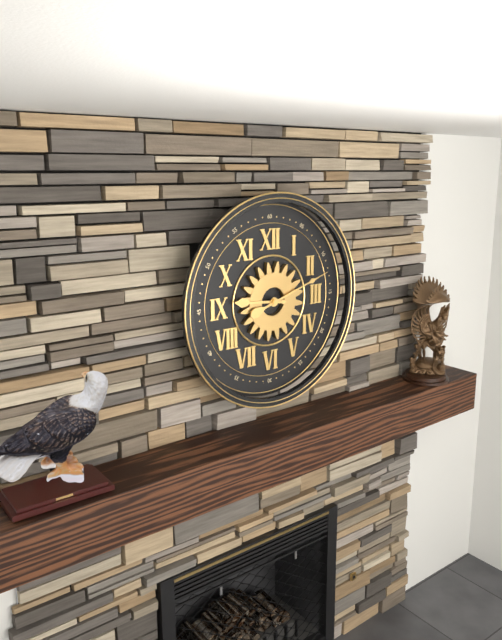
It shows 9h12
